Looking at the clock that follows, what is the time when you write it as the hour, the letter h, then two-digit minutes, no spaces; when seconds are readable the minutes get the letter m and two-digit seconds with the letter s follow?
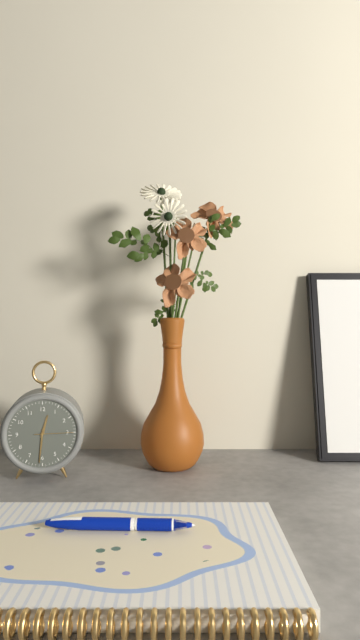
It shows 12h31
